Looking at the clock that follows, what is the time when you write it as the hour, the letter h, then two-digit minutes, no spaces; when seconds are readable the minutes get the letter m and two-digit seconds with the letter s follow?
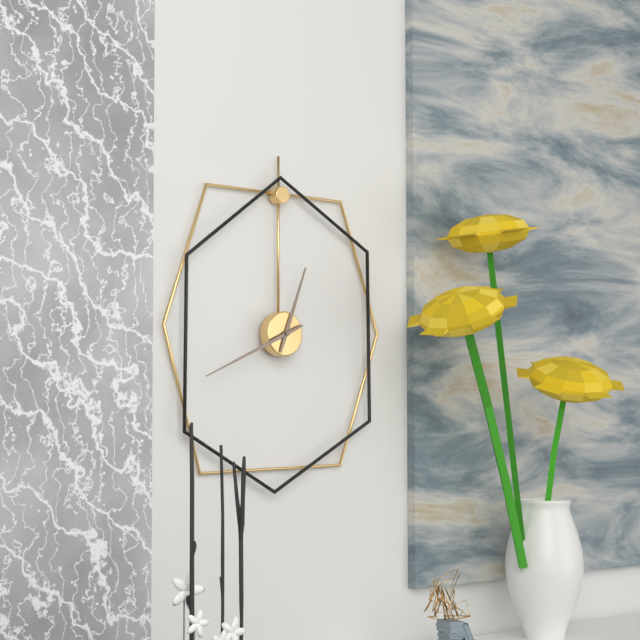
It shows 12h41
